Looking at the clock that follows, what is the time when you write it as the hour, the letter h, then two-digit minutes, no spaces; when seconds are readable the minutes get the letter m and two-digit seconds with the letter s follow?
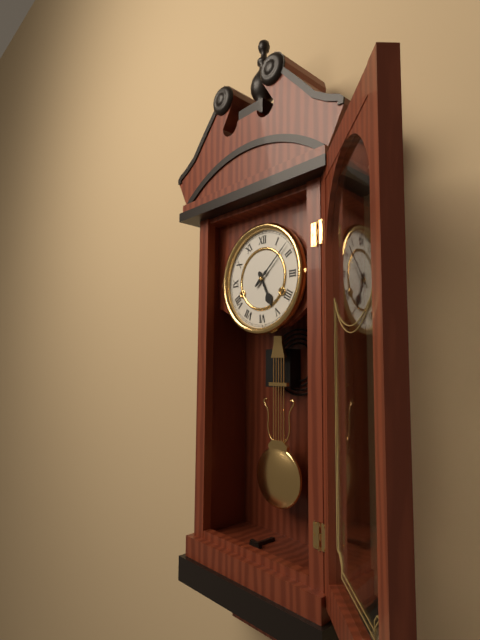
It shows 5h08
